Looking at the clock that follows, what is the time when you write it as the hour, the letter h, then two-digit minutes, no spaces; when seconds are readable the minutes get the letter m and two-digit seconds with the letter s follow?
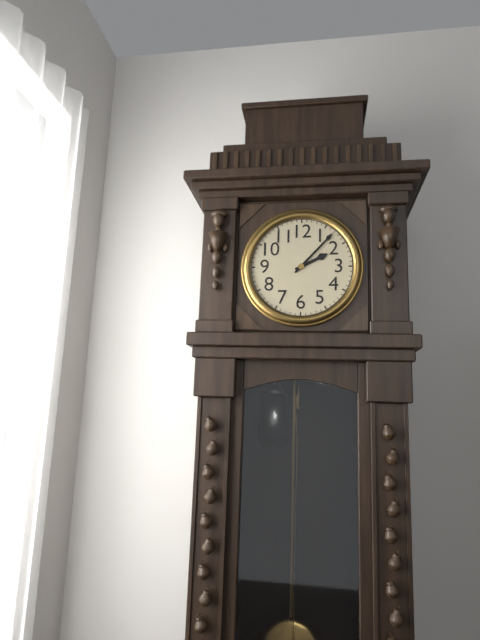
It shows 2h07
